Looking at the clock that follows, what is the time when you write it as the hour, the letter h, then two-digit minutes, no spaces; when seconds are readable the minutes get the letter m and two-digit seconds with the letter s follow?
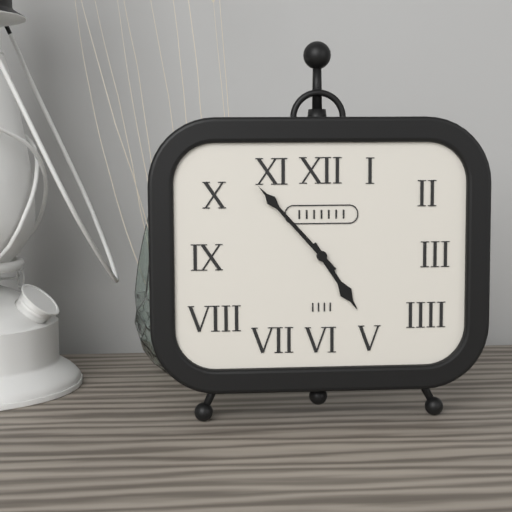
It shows 4h53
